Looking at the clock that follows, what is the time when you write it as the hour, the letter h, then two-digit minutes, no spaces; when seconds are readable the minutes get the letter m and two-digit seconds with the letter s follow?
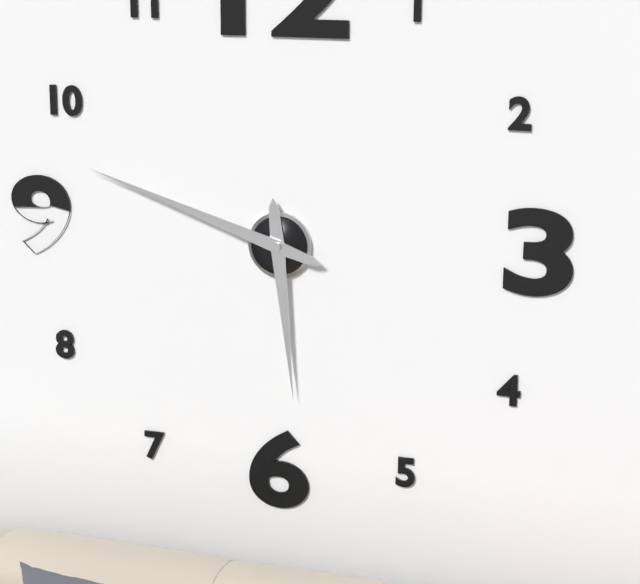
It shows 5h48
